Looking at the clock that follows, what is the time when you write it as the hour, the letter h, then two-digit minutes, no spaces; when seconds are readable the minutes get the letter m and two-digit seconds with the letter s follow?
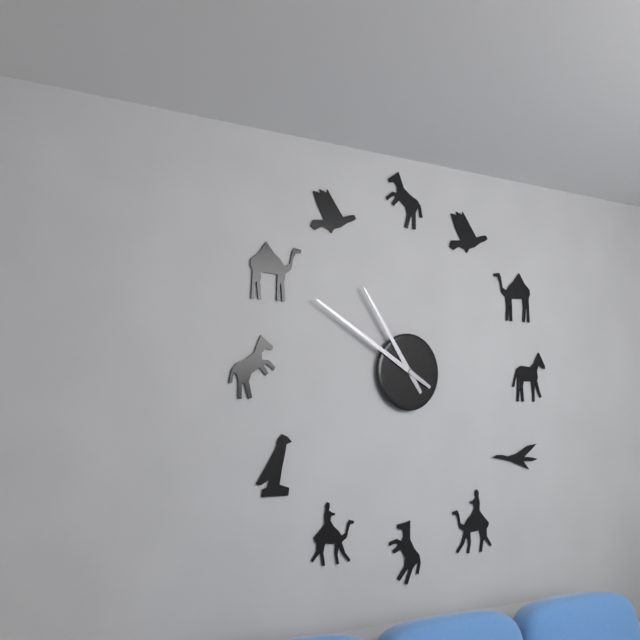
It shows 10h50
